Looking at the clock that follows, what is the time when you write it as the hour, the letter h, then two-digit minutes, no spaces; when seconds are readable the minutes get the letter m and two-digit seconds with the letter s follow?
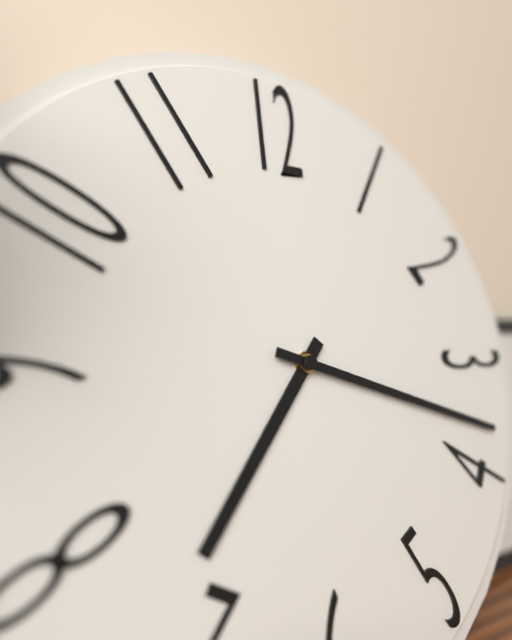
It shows 7h18
